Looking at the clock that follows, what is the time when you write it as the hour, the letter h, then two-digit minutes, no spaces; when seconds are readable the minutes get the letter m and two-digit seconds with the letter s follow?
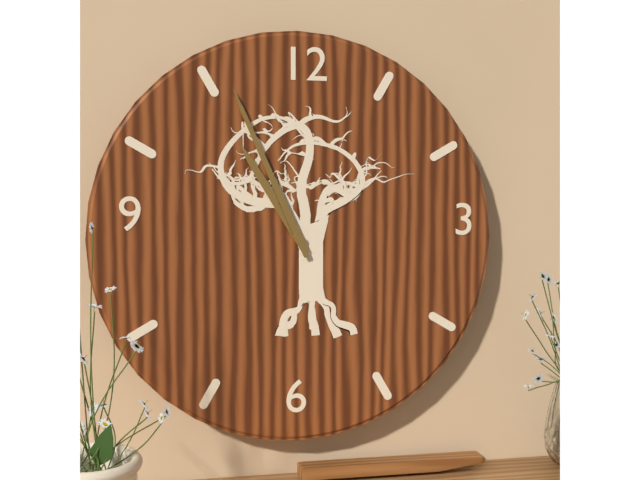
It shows 10h56
